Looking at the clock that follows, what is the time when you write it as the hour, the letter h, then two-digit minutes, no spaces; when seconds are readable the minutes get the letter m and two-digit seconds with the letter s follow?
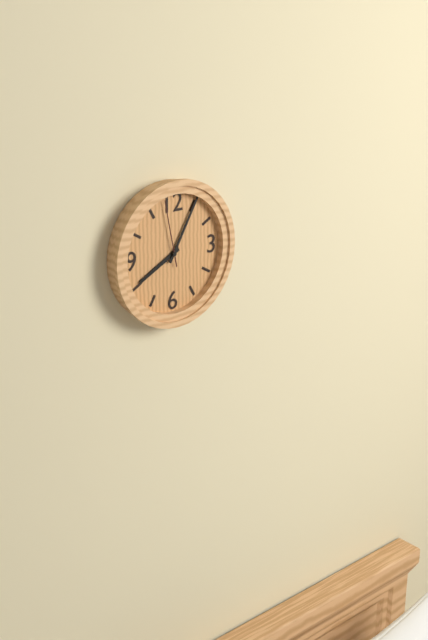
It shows 8h05m58s
